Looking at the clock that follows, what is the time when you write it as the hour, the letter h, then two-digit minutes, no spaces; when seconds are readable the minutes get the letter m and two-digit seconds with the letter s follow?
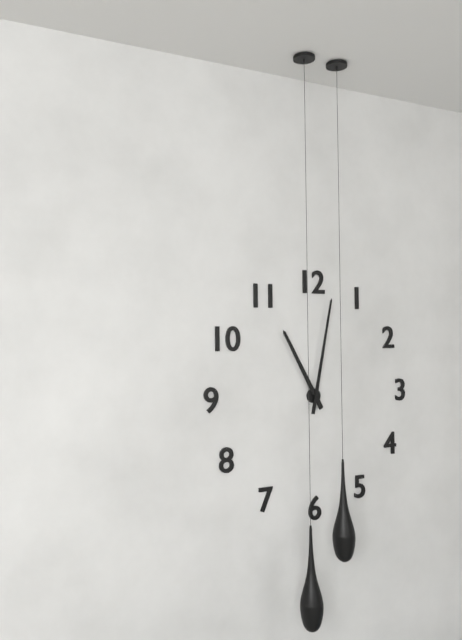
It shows 11h02
